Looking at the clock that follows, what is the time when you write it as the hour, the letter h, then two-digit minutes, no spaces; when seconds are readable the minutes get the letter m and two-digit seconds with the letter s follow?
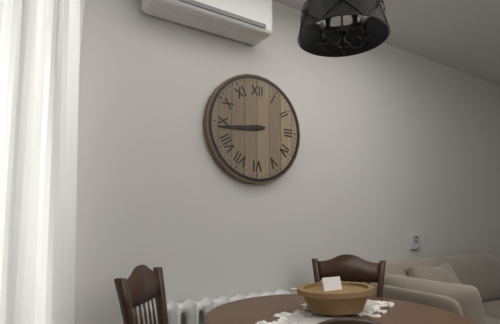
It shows 8h44
